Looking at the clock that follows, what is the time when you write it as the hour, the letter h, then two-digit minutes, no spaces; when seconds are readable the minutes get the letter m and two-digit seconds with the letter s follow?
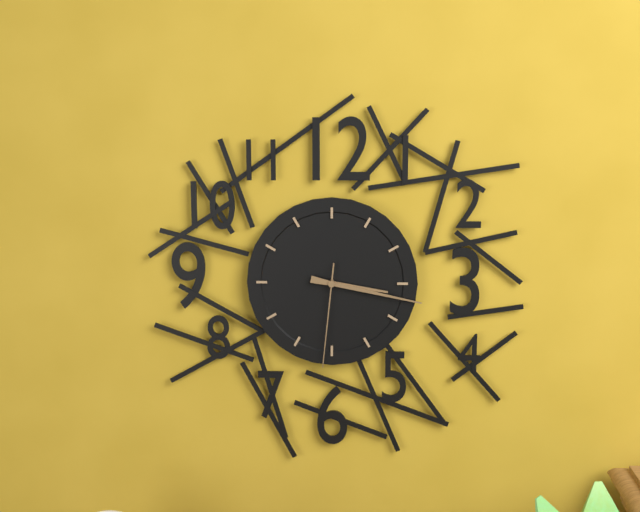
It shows 3h17m31s
